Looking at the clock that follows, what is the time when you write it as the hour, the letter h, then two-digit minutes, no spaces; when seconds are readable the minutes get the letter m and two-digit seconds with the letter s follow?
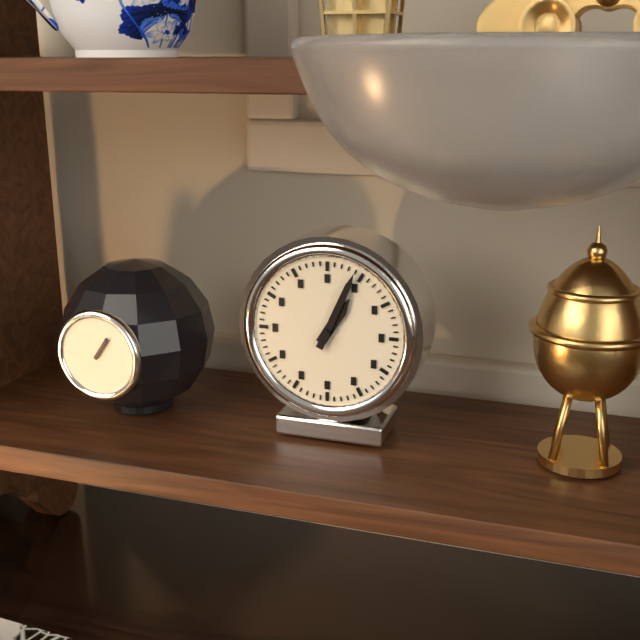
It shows 1h04
